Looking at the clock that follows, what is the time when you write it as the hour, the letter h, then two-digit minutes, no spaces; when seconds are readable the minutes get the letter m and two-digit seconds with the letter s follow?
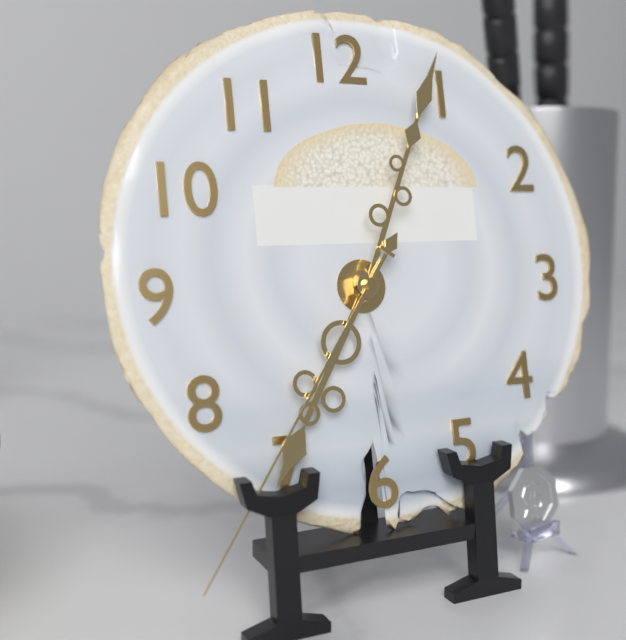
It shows 7h04m36s
